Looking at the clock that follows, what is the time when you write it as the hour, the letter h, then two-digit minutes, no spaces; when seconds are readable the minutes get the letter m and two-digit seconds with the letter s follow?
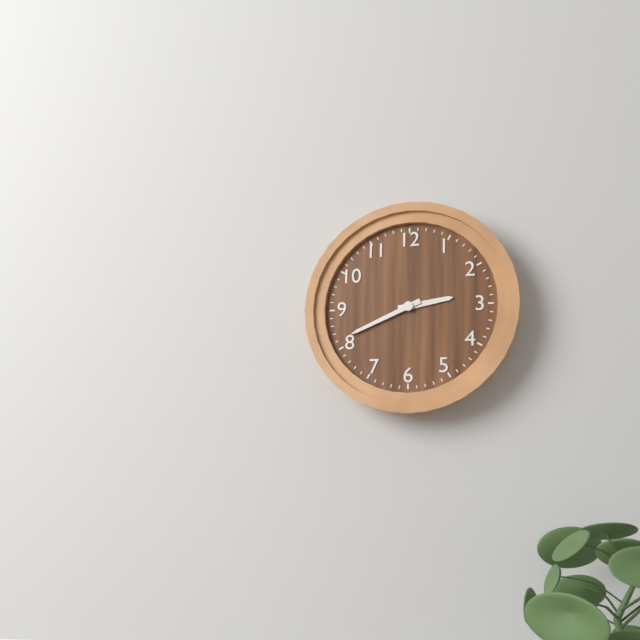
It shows 2h41
